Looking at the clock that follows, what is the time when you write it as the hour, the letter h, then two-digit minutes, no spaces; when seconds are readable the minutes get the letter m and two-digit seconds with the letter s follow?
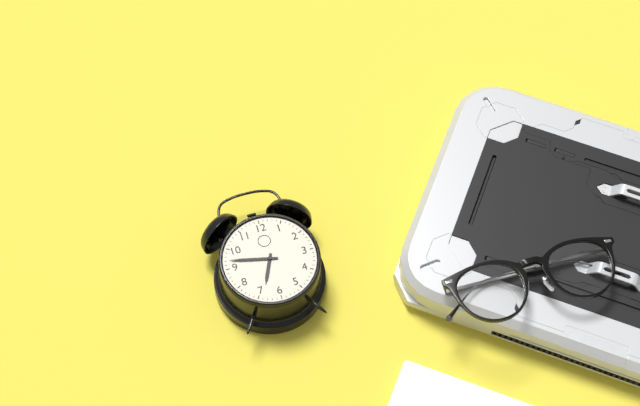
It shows 6h47
